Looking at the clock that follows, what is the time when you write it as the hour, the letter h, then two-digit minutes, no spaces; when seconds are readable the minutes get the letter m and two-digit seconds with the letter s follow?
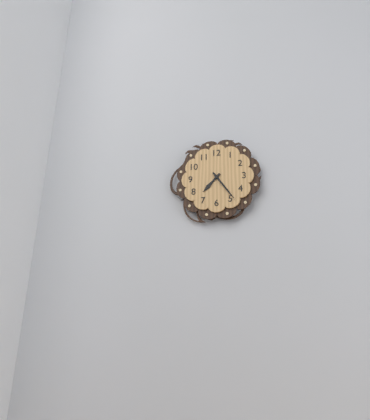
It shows 7h24
